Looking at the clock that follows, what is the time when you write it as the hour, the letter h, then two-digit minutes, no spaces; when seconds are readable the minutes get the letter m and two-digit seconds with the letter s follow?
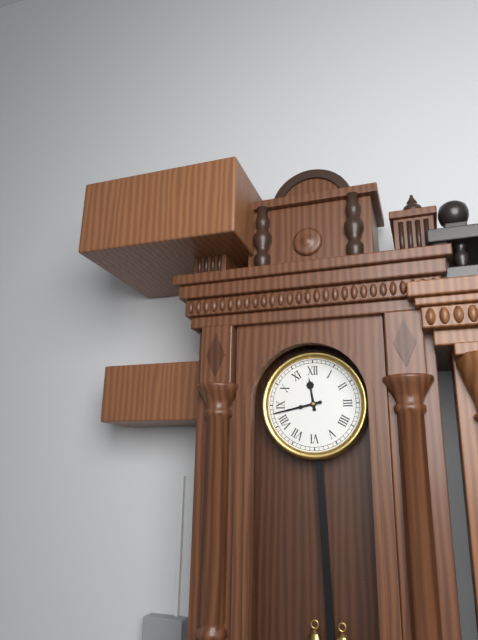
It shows 11h43
